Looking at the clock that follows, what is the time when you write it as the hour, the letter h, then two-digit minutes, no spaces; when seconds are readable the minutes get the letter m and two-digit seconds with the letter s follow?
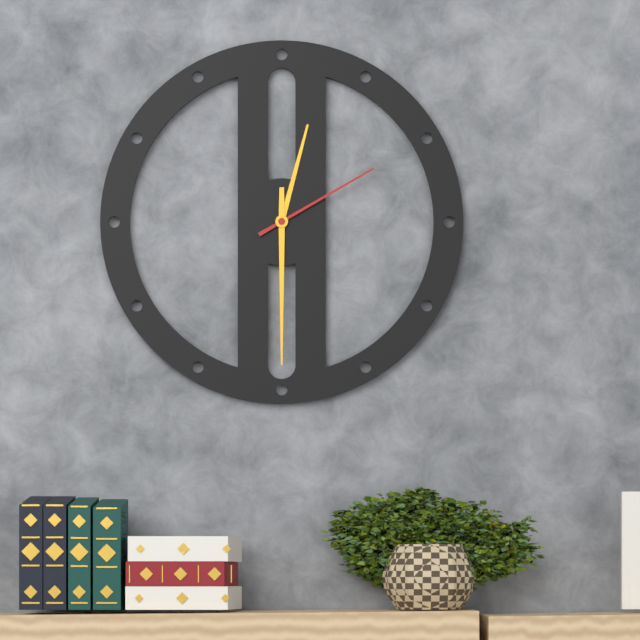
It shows 12h30m10s
